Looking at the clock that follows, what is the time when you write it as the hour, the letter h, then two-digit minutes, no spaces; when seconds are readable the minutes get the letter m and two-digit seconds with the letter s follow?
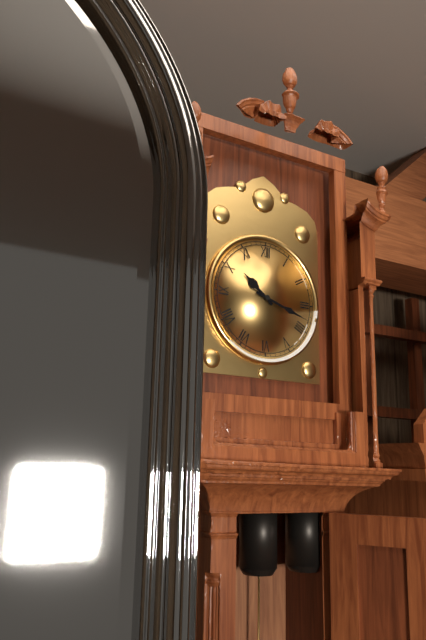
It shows 10h18
